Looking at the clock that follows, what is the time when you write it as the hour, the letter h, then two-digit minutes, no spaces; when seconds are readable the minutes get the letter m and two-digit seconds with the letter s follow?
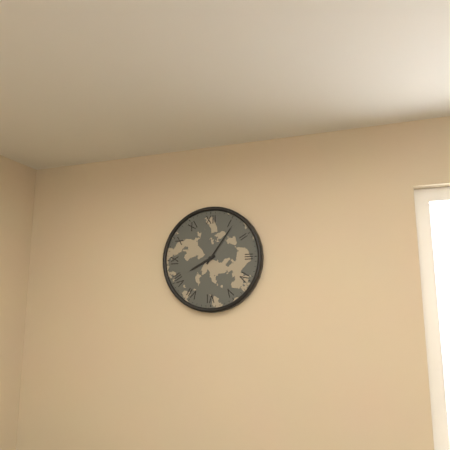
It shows 8h06
